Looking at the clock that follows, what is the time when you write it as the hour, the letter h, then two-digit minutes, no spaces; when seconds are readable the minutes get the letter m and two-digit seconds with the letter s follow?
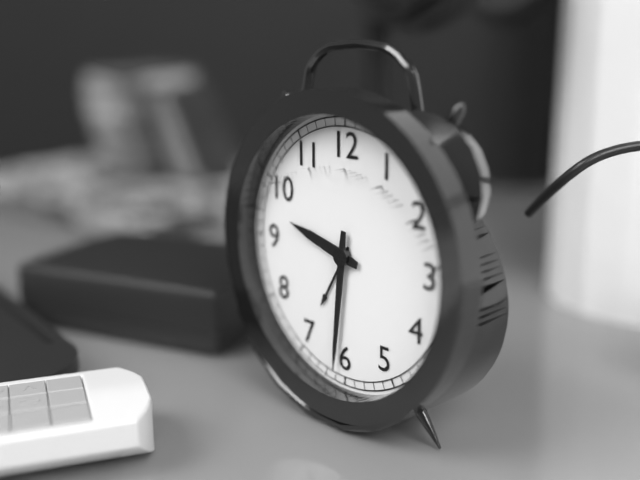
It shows 9h31
